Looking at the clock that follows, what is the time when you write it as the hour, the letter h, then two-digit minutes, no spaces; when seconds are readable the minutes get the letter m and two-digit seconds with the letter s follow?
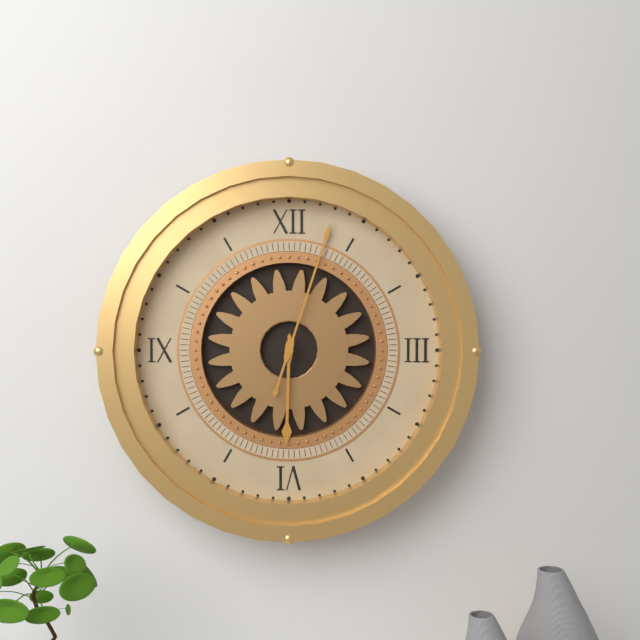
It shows 6h03
